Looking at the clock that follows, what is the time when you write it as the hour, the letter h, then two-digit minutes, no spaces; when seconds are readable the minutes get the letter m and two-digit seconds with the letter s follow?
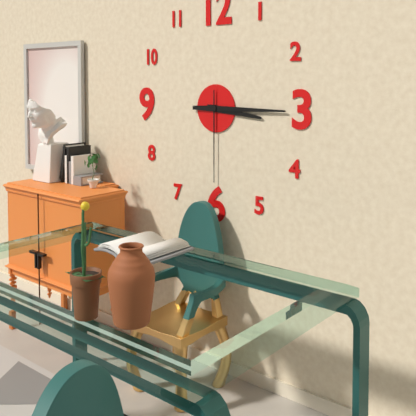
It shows 3h15m30s
